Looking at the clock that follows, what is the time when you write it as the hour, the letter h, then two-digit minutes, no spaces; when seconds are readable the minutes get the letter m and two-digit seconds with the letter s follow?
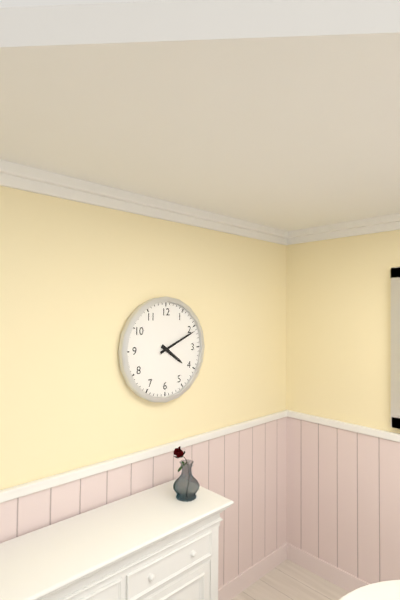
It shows 4h11
